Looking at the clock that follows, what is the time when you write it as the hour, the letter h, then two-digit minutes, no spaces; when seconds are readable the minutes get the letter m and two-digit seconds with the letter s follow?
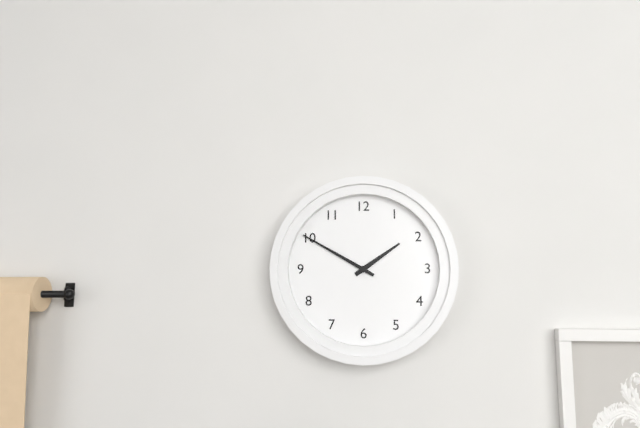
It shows 1h50
